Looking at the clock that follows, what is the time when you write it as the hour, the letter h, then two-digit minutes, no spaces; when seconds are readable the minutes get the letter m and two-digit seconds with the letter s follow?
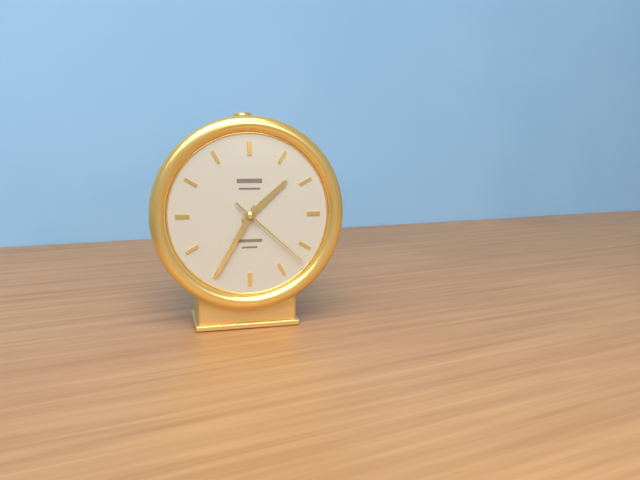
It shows 1h35m22s
